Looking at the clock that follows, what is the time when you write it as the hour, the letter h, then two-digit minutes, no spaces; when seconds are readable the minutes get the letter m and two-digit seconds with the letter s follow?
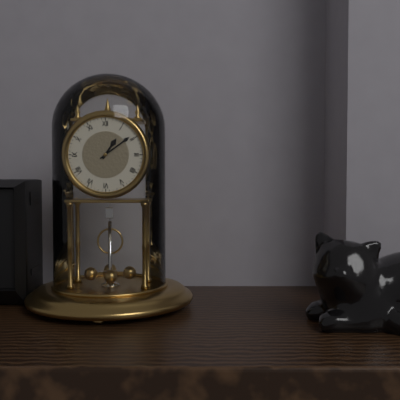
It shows 1h09
